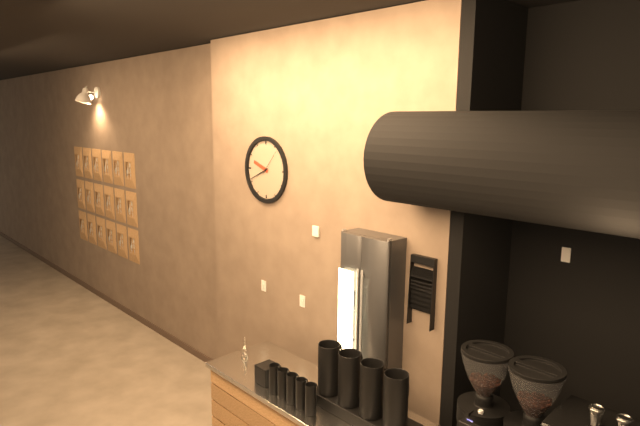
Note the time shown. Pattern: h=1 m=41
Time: h=9 m=41
